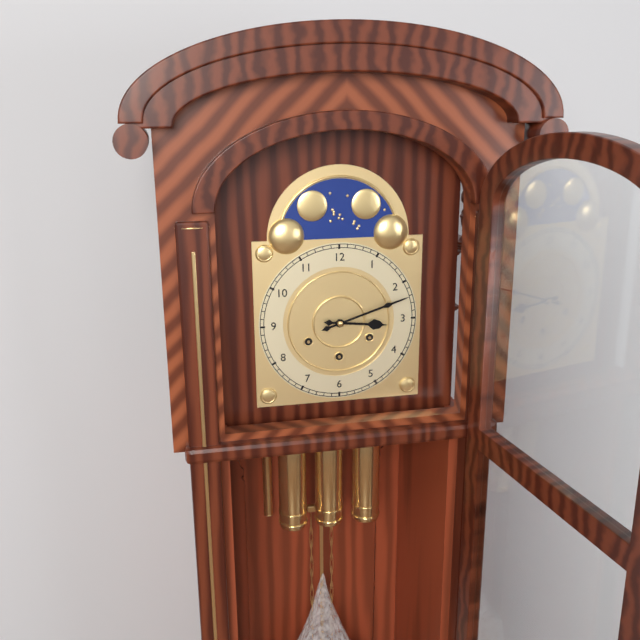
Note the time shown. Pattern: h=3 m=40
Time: h=3 m=12
